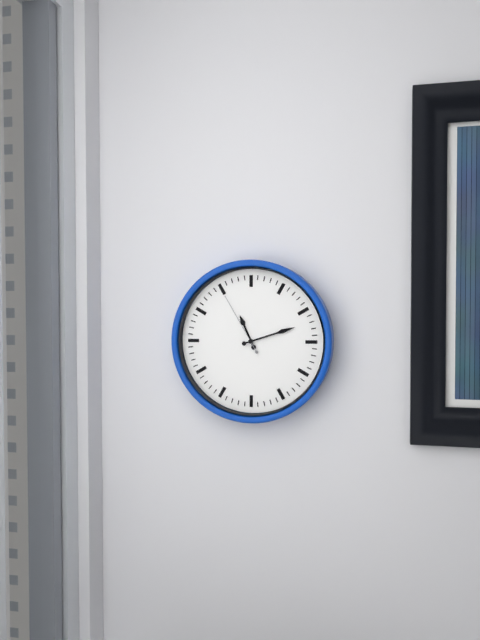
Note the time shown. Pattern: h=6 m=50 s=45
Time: h=11 m=12 s=55
